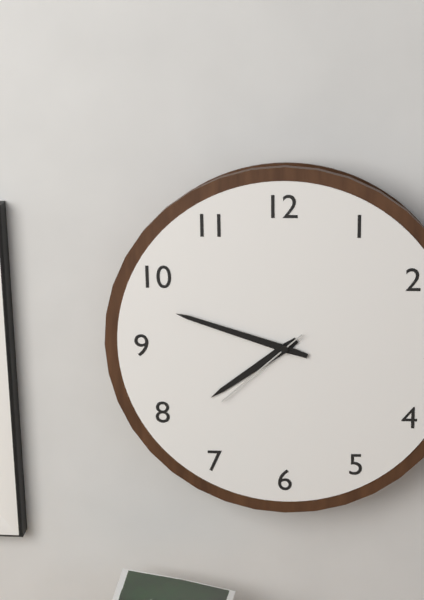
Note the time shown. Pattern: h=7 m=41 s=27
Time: h=7 m=48 s=38
